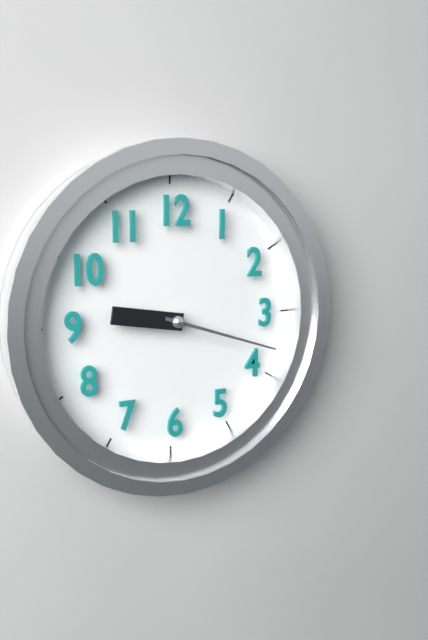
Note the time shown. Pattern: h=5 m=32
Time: h=9 m=18
